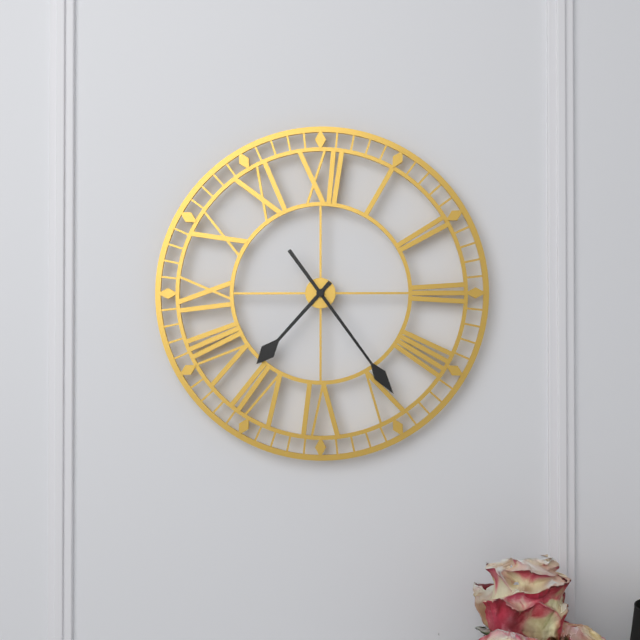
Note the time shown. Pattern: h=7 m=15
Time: h=7 m=24
